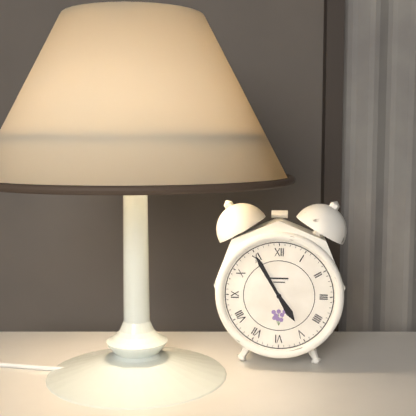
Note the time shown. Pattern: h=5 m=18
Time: h=4 m=55
